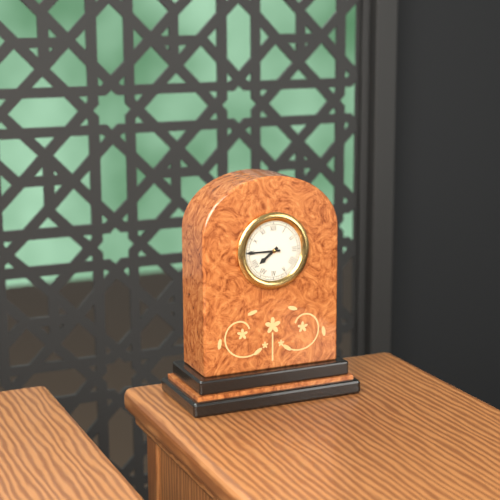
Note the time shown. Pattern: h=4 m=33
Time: h=7 m=45
